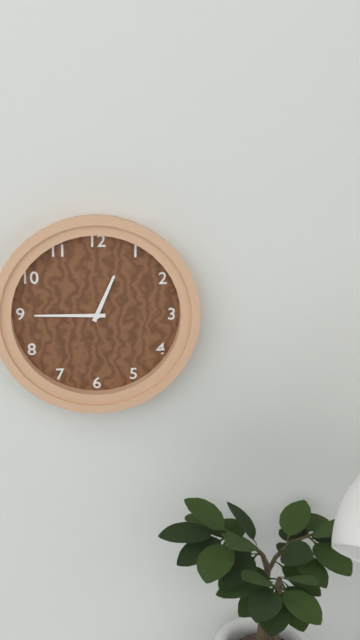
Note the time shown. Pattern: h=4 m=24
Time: h=12 m=45
